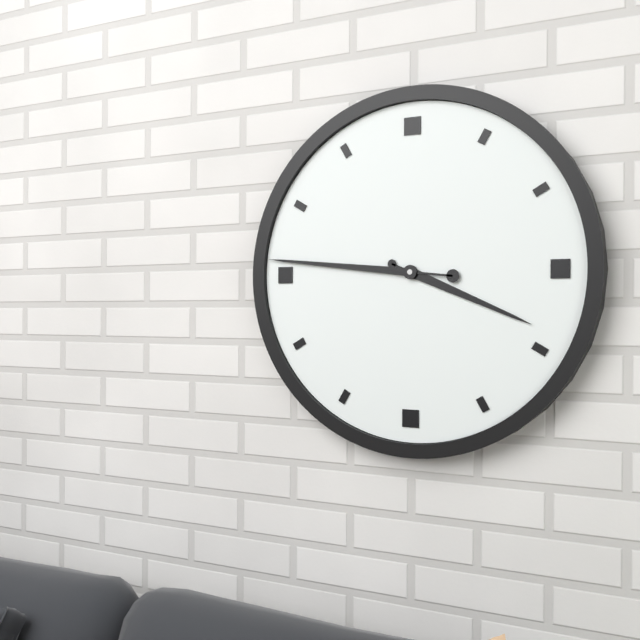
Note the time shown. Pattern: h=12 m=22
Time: h=3 m=46
